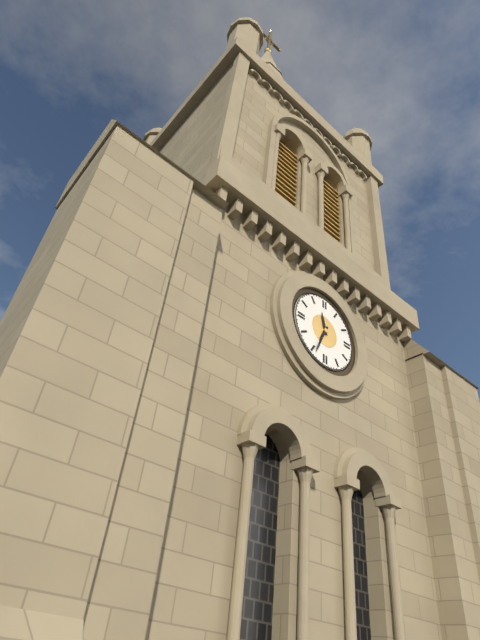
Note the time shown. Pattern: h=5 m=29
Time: h=11 m=34
